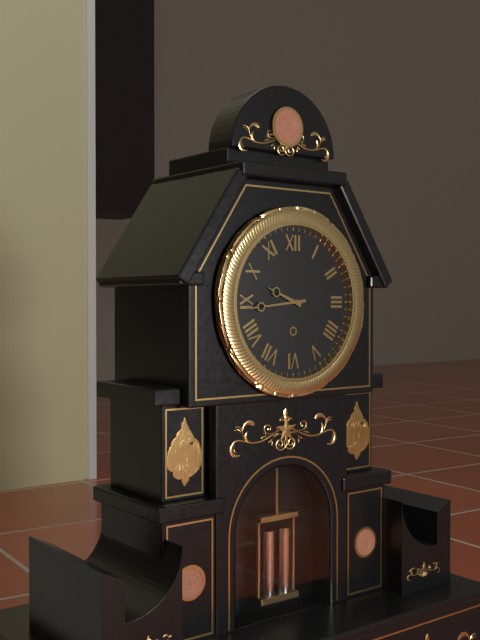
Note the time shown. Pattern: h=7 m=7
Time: h=9 m=44
